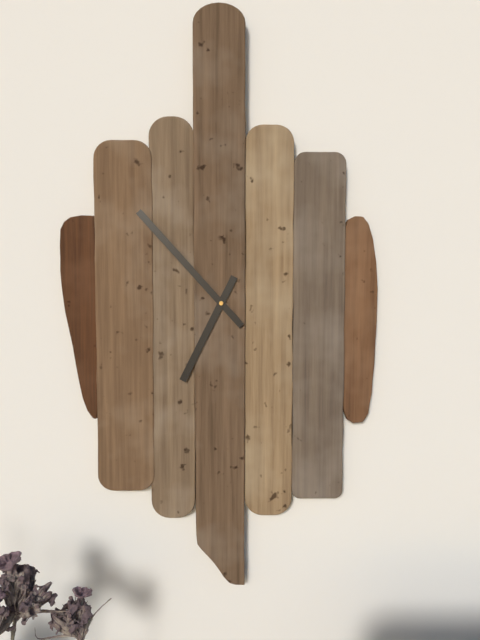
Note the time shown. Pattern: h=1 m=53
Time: h=6 m=53
